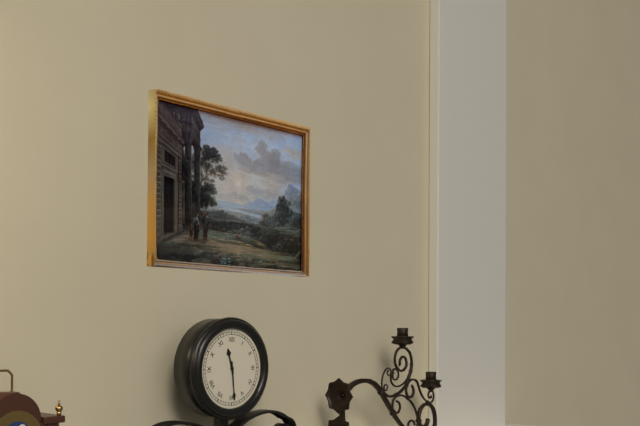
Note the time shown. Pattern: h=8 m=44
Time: h=11 m=29
